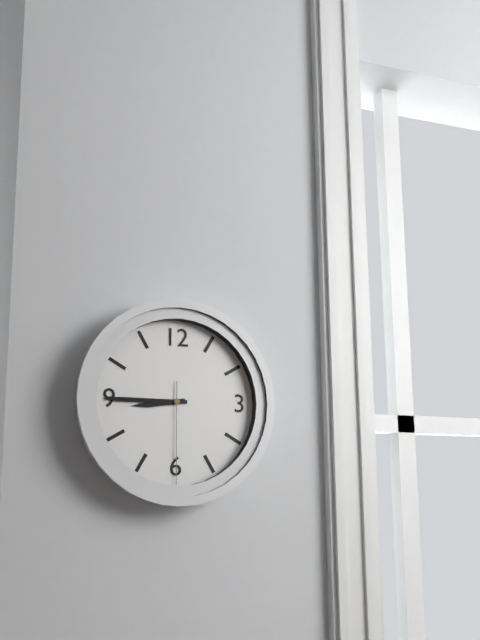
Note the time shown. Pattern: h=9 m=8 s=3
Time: h=8 m=45 s=30
